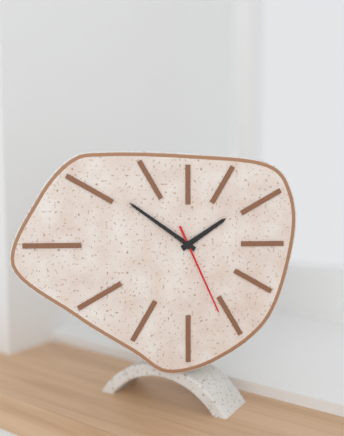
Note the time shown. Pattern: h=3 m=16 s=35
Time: h=1 m=51 s=26
